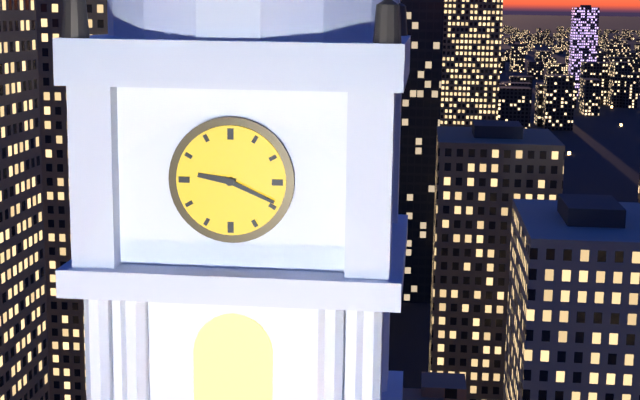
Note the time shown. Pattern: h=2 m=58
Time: h=9 m=19
